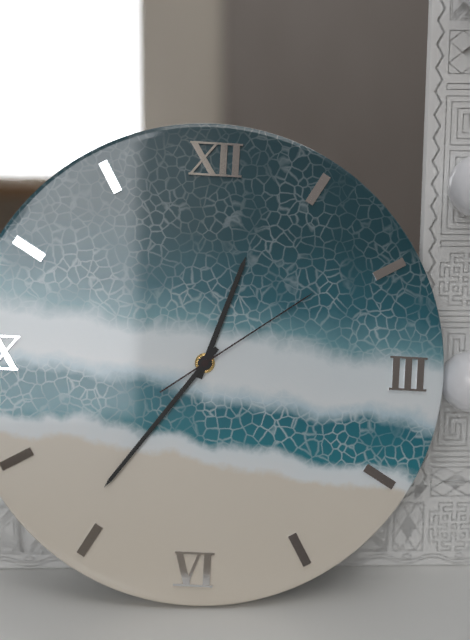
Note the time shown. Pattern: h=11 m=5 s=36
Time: h=12 m=36 s=9
